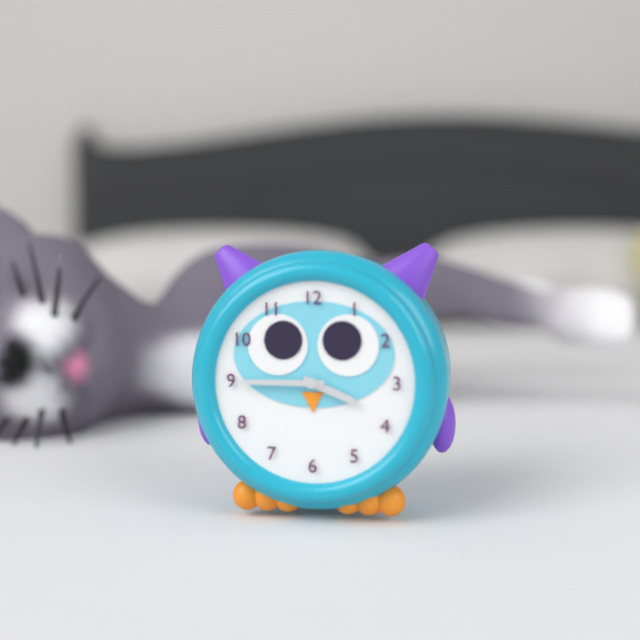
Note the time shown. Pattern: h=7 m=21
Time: h=3 m=45
